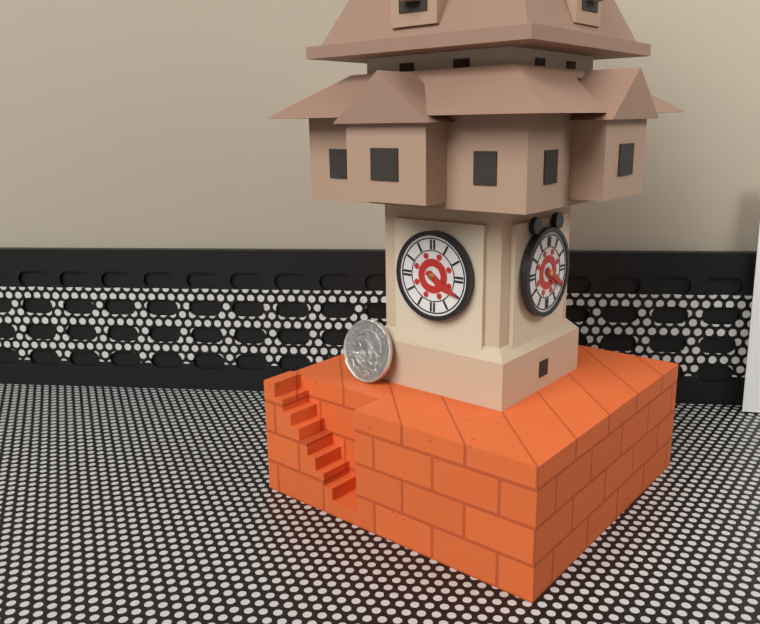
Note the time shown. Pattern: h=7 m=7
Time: h=4 m=20
